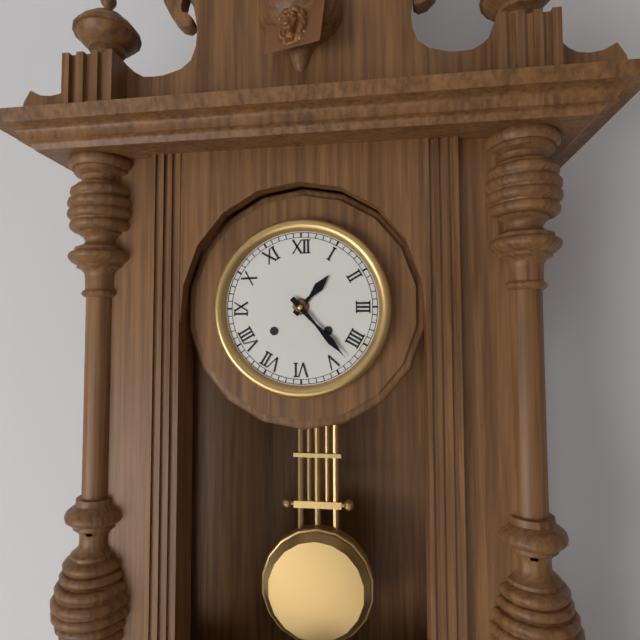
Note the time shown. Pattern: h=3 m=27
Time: h=1 m=23
